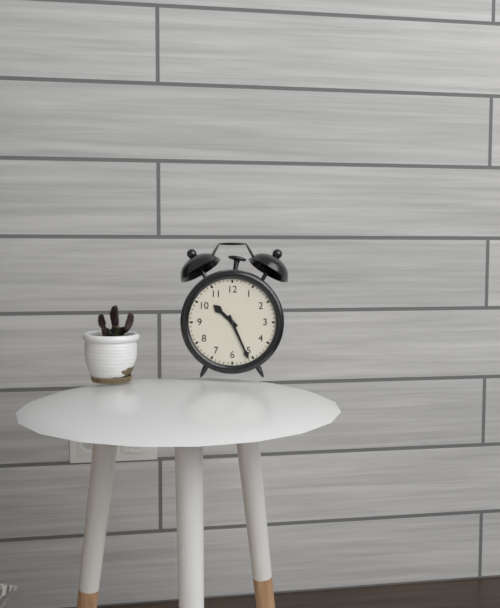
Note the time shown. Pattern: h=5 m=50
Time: h=10 m=26
